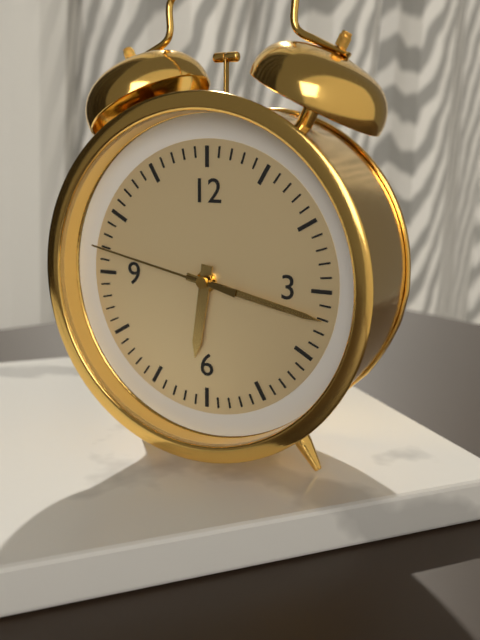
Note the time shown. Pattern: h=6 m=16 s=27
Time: h=6 m=17 s=47
